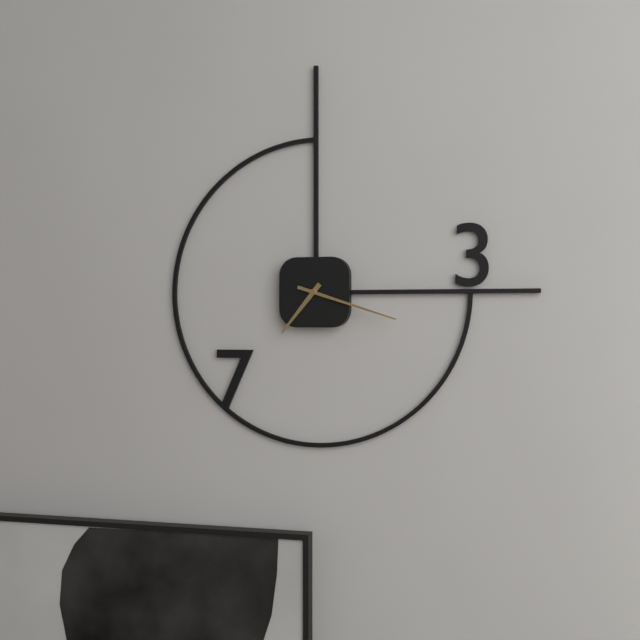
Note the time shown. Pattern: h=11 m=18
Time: h=7 m=18
